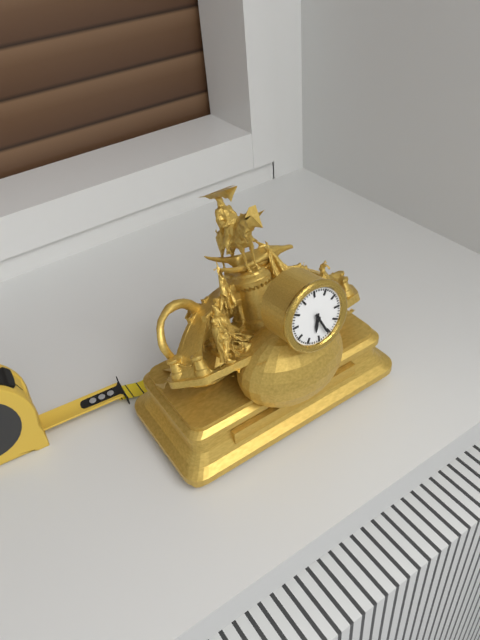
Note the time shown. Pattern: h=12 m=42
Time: h=6 m=26
